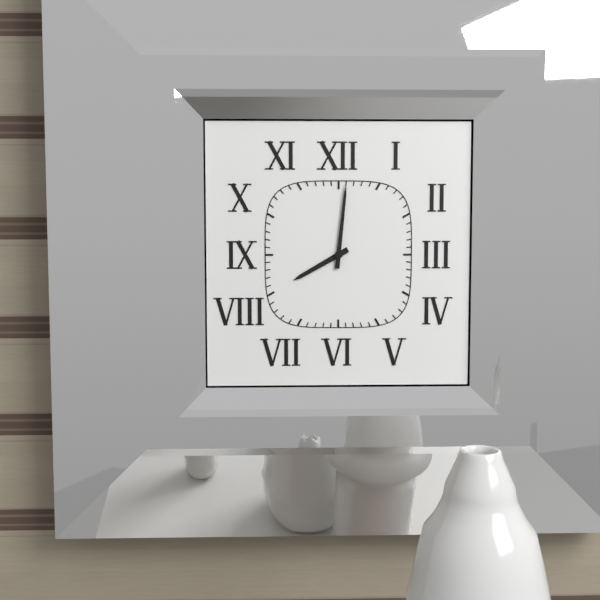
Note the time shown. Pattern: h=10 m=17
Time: h=8 m=1
